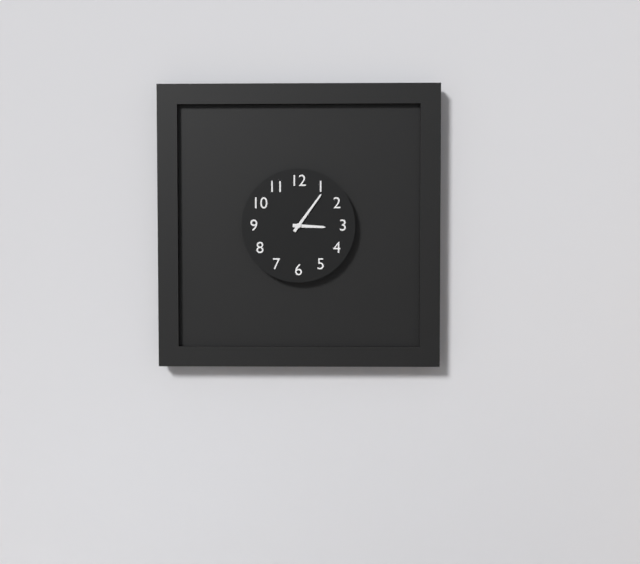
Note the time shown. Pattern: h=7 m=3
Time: h=3 m=6
